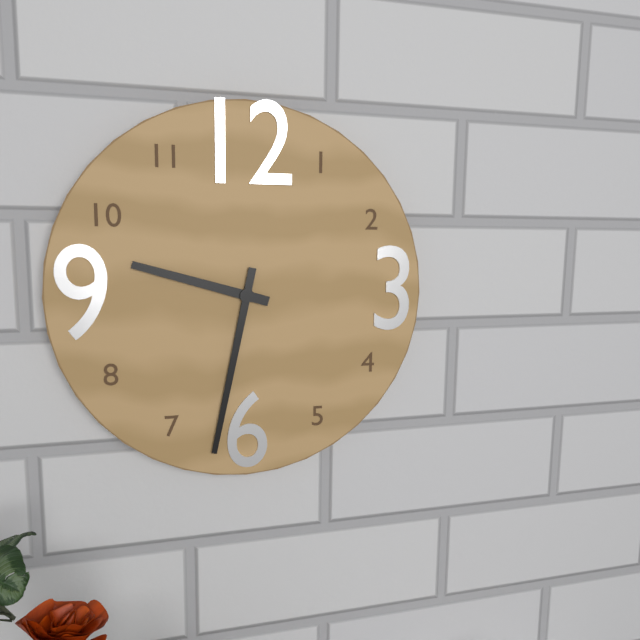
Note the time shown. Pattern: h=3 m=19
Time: h=9 m=32
